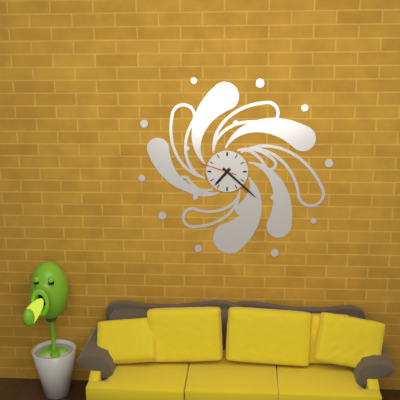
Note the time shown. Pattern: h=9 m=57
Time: h=7 m=22
